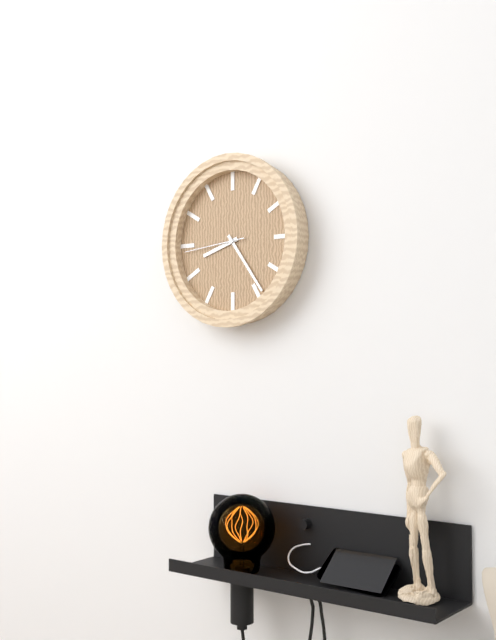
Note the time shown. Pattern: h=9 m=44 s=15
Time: h=8 m=24 s=44
